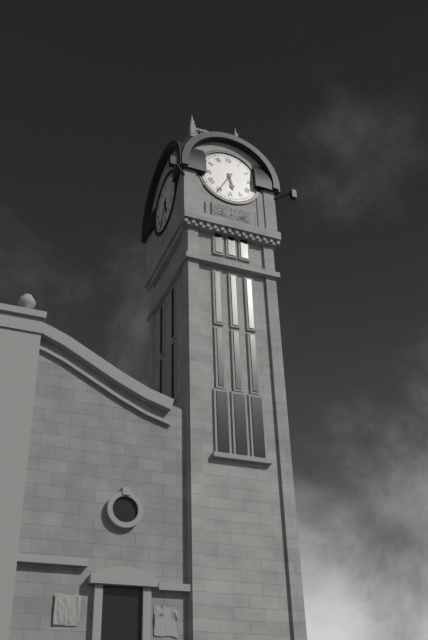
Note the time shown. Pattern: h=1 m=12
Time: h=5 m=35
